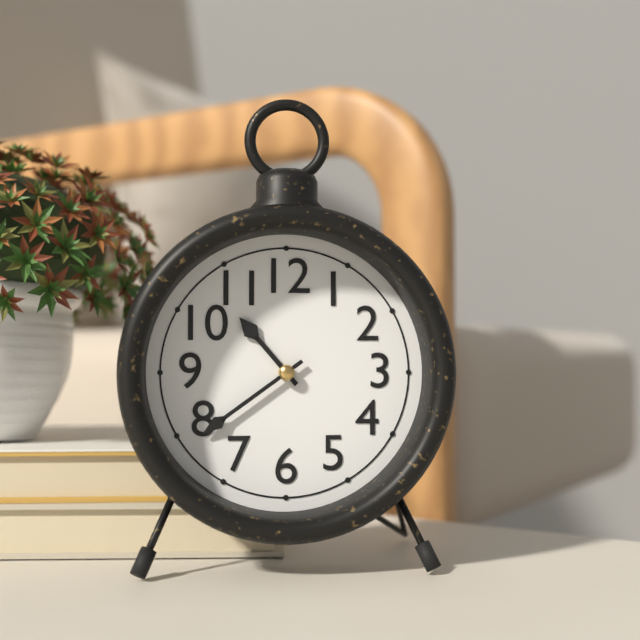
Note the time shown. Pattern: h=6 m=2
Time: h=10 m=39
